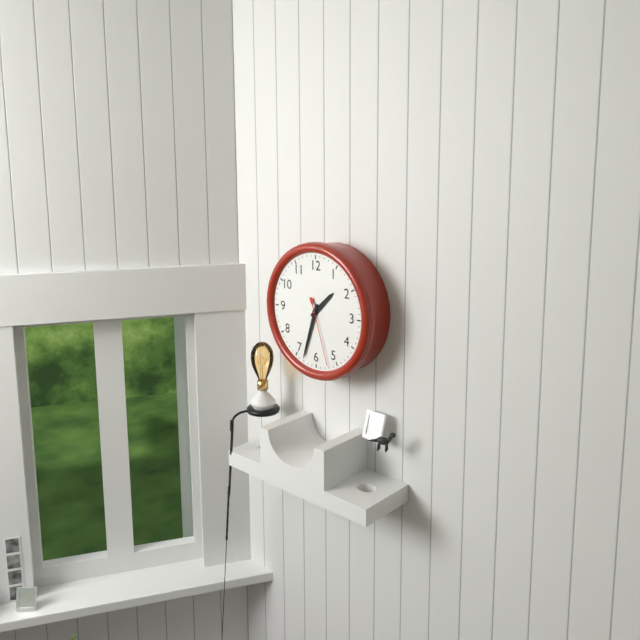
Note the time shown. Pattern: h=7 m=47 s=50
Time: h=1 m=33 s=27
